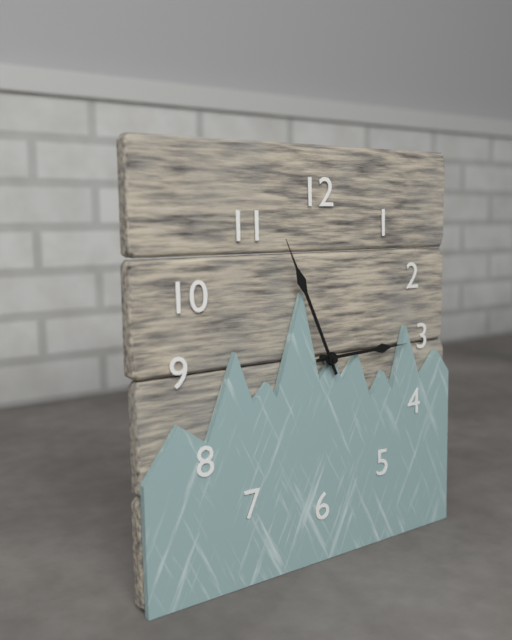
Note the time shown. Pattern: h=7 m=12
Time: h=2 m=56
